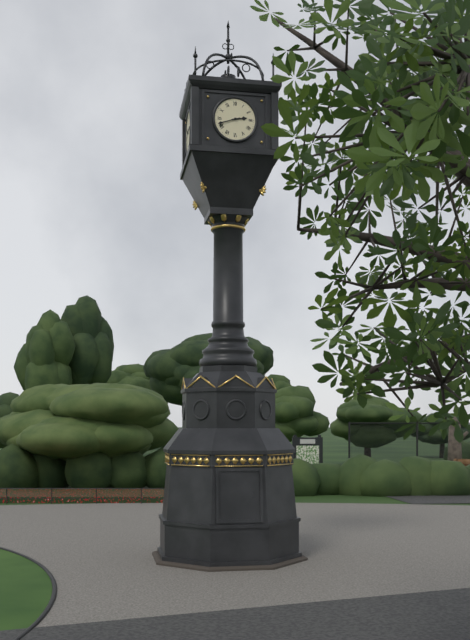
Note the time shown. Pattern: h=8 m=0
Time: h=2 m=42
